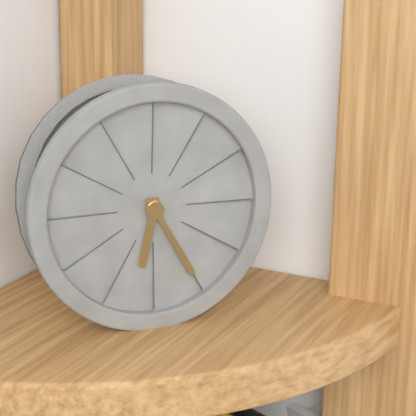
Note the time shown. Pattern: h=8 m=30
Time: h=6 m=25
